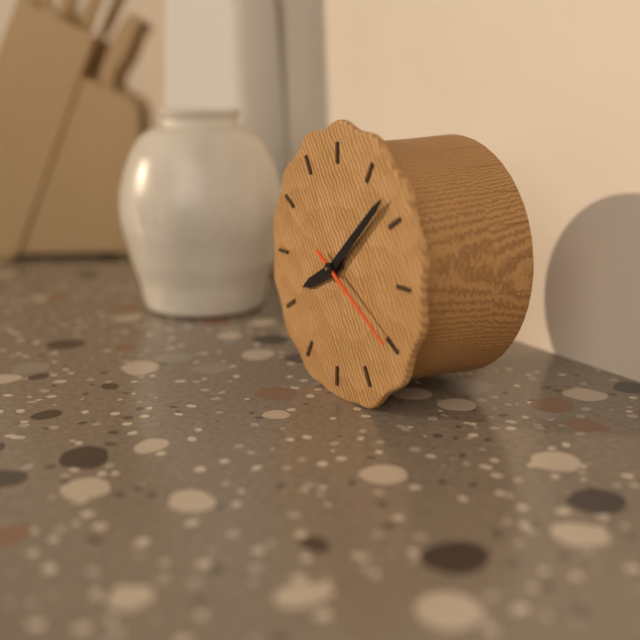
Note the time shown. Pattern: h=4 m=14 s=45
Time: h=8 m=8 s=20
